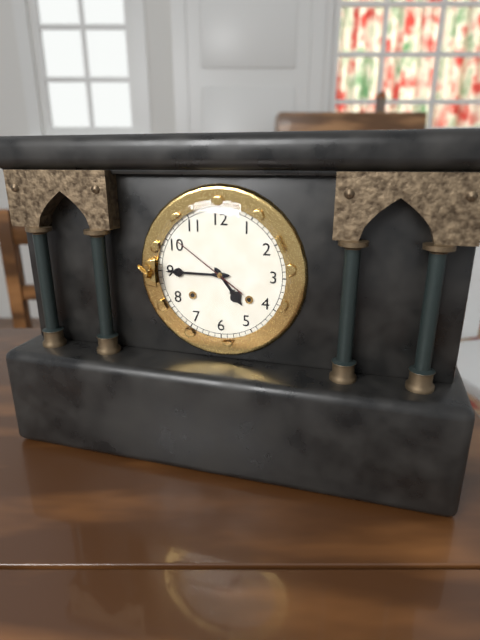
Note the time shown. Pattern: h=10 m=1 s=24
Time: h=4 m=45 s=51
